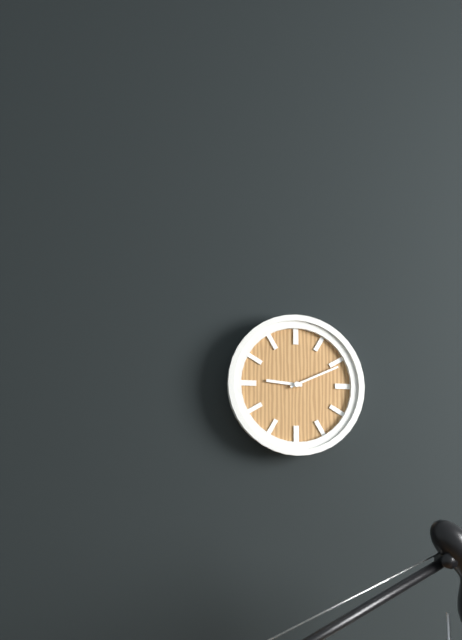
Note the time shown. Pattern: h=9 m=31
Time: h=9 m=11
